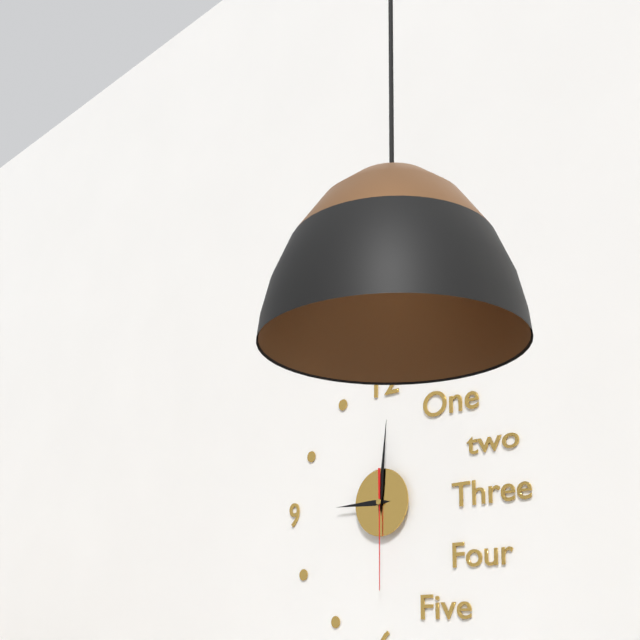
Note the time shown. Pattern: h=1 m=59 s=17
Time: h=9 m=1 s=30
